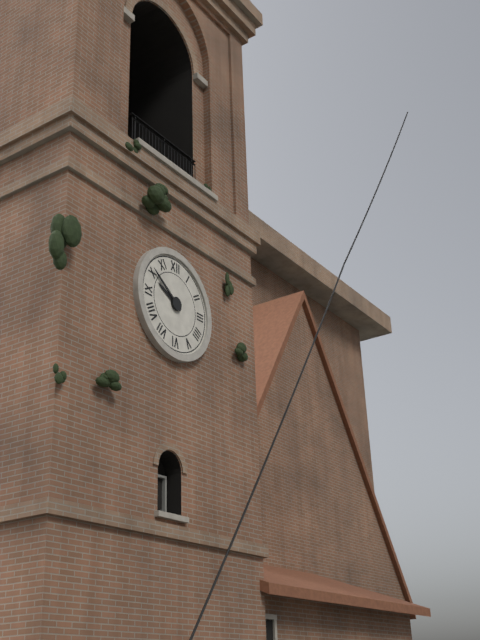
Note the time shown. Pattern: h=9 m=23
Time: h=9 m=51
